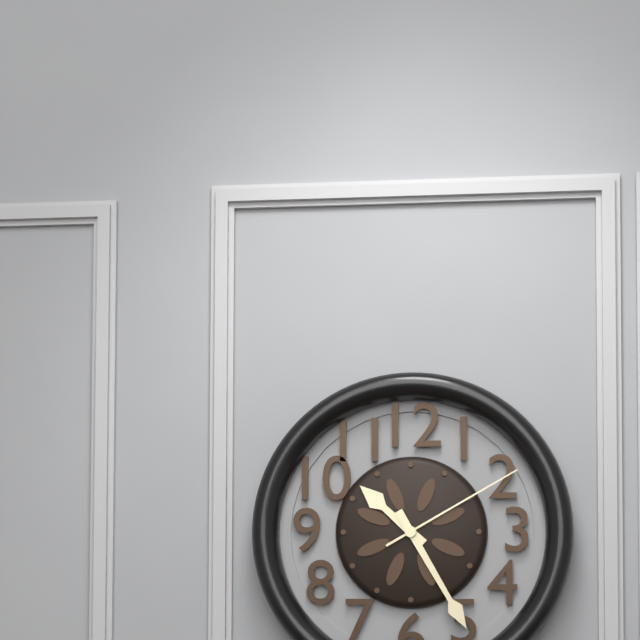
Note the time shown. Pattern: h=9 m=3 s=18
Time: h=10 m=25 s=10
